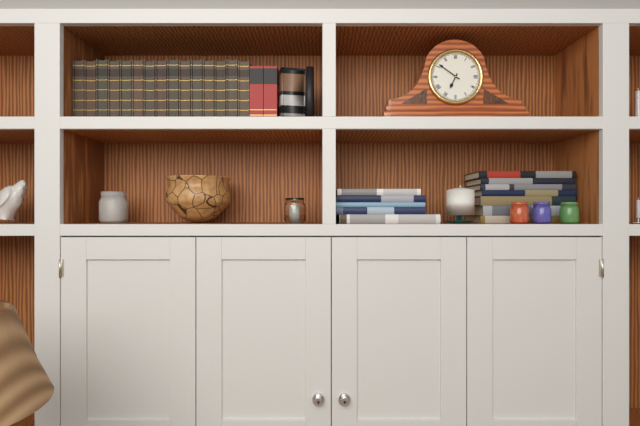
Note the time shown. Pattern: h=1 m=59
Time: h=6 m=51
